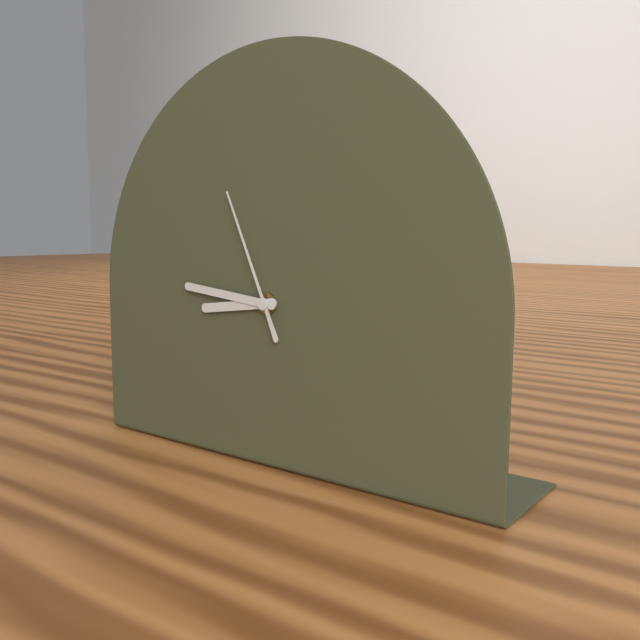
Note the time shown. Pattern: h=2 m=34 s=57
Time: h=8 m=46 s=56
